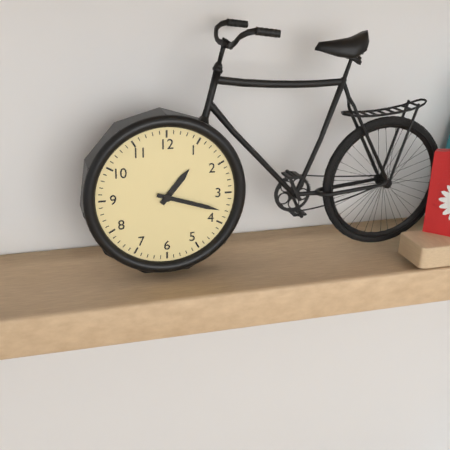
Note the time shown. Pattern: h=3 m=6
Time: h=1 m=18
